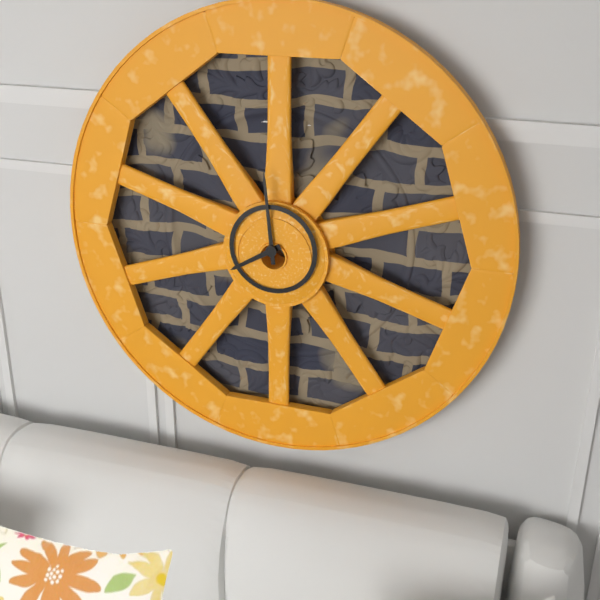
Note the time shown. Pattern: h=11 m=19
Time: h=7 m=59
